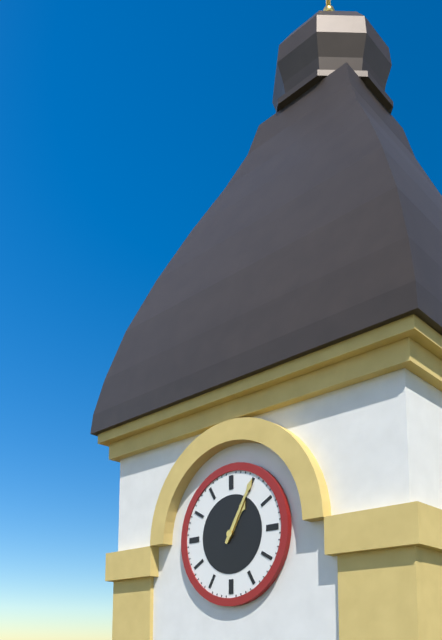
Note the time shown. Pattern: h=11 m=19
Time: h=1 m=5
